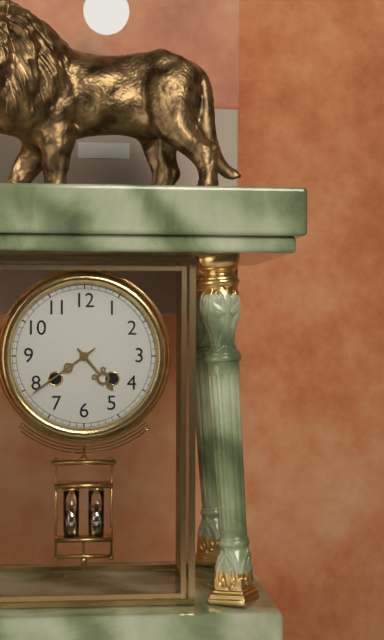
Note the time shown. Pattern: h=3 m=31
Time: h=4 m=39
